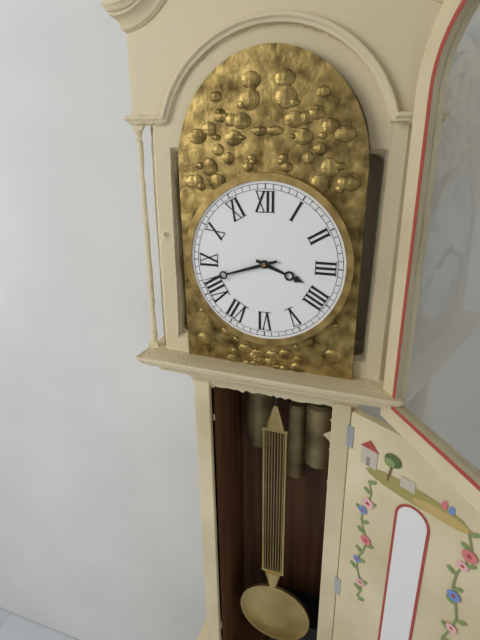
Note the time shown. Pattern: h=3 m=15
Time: h=3 m=42
